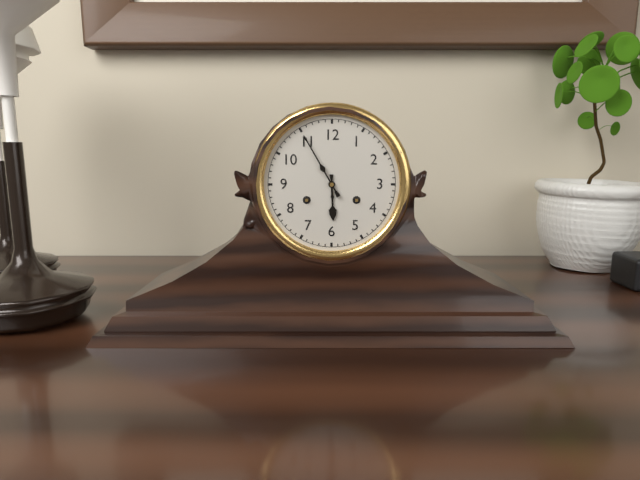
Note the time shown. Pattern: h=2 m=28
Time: h=5 m=55
